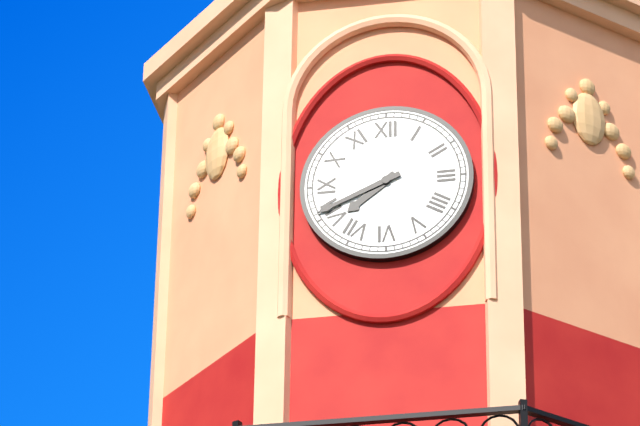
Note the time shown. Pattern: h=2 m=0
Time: h=7 m=41
